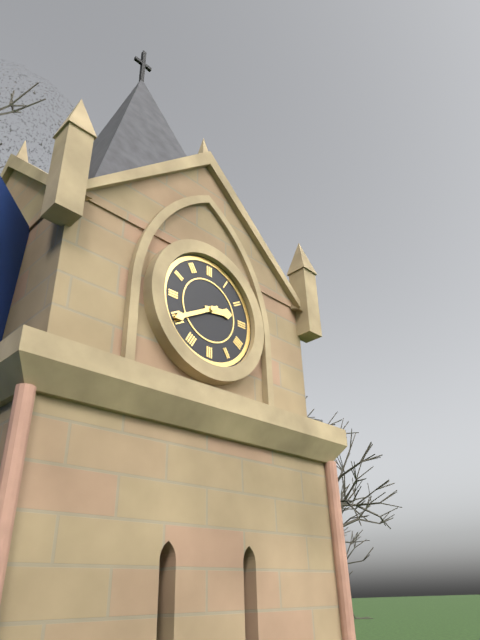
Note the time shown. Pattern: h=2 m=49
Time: h=2 m=40
